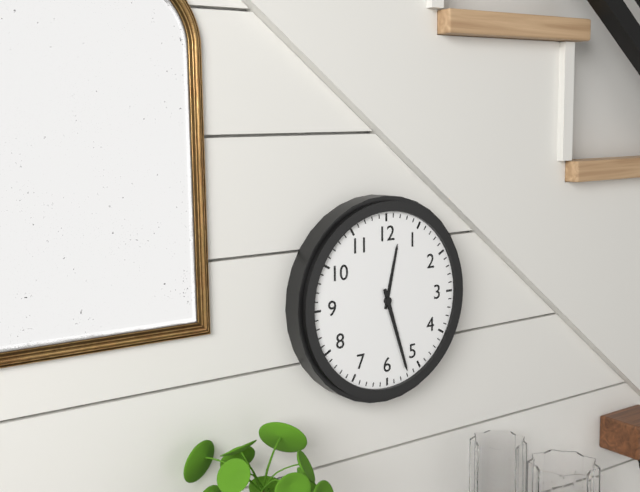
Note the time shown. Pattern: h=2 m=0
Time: h=12 m=27
